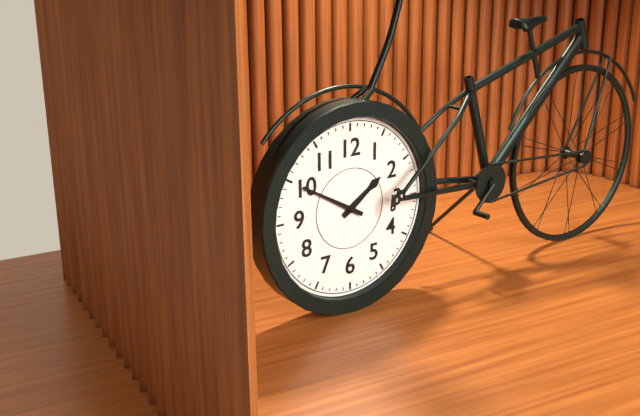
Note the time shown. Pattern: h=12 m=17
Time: h=1 m=50
